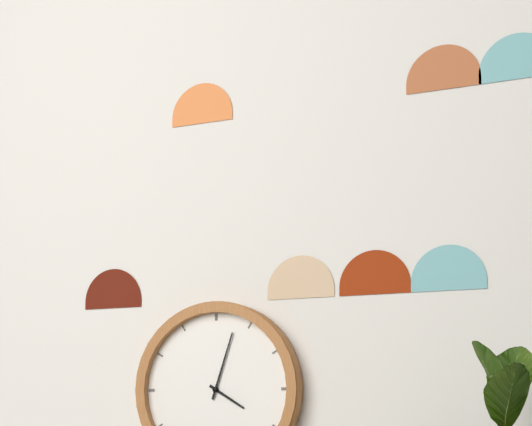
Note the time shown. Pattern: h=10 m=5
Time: h=4 m=3
